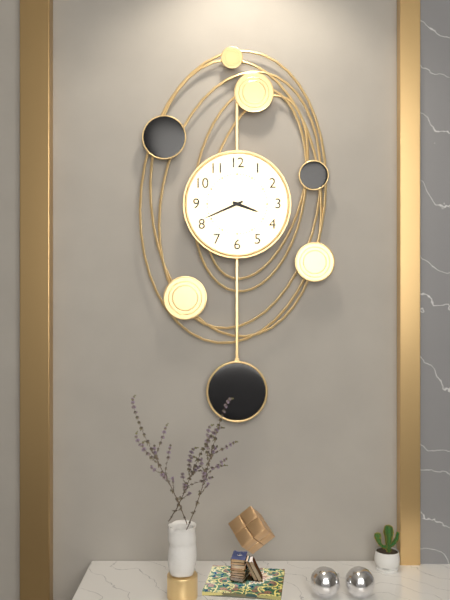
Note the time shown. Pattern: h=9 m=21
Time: h=3 m=41
